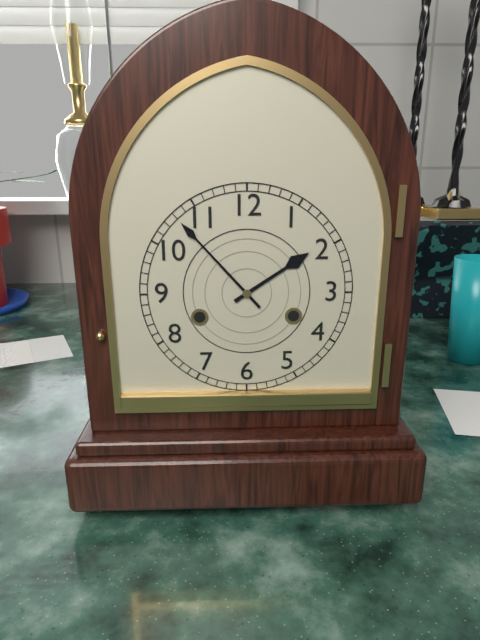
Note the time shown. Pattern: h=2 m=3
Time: h=1 m=53
